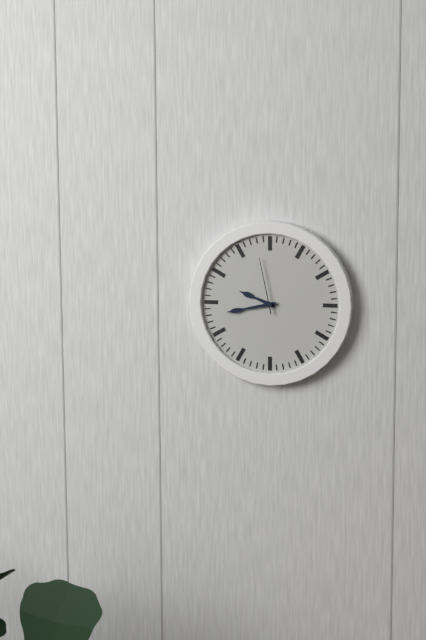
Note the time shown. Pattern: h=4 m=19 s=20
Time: h=9 m=43 s=58
